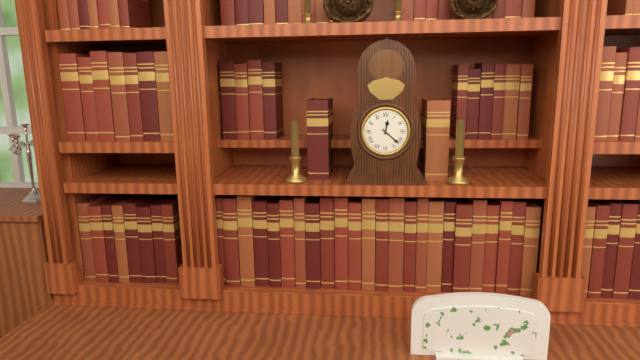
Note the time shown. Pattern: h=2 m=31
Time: h=12 m=22
